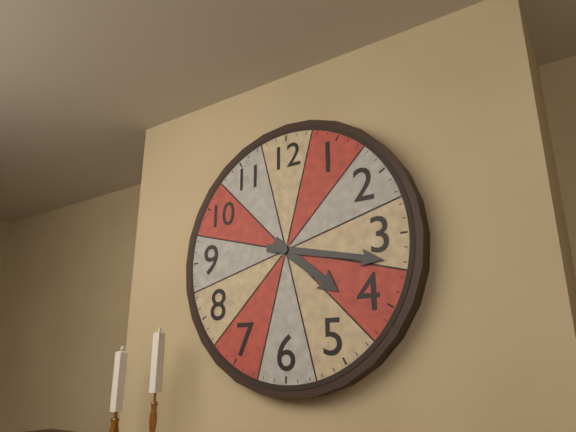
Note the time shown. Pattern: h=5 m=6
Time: h=4 m=17
